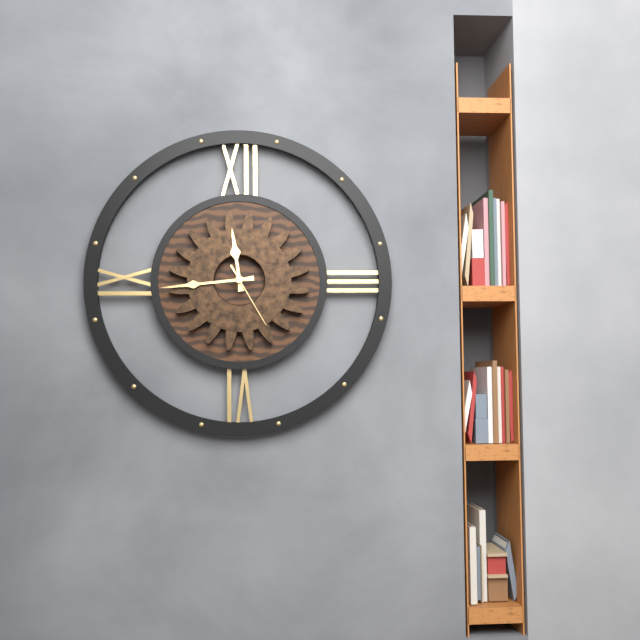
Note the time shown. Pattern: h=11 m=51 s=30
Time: h=11 m=44 s=25
